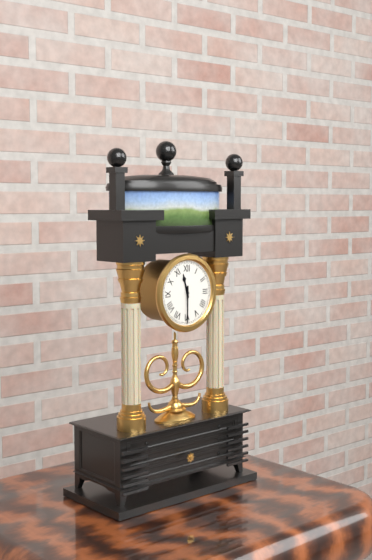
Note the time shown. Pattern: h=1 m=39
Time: h=11 m=30
